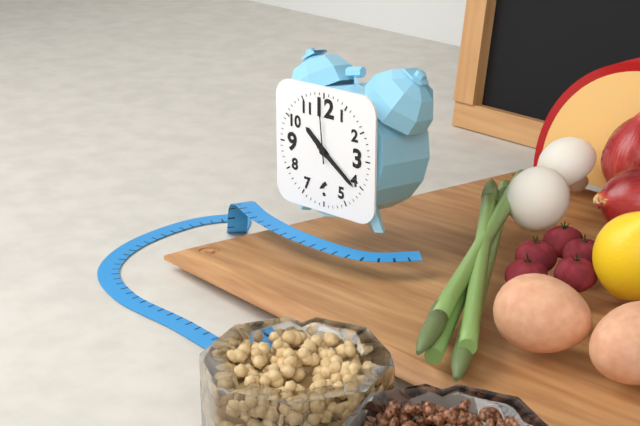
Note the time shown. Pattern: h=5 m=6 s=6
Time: h=10 m=21 s=59
